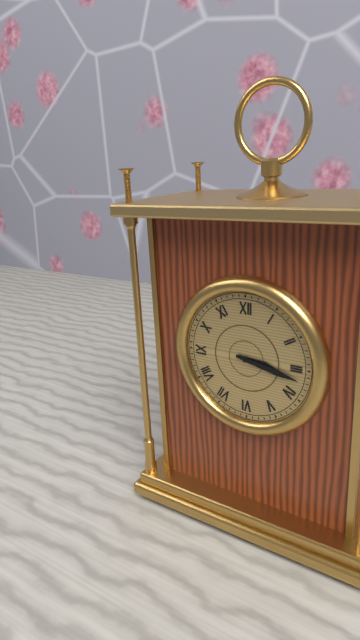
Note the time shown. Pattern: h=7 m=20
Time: h=3 m=17
